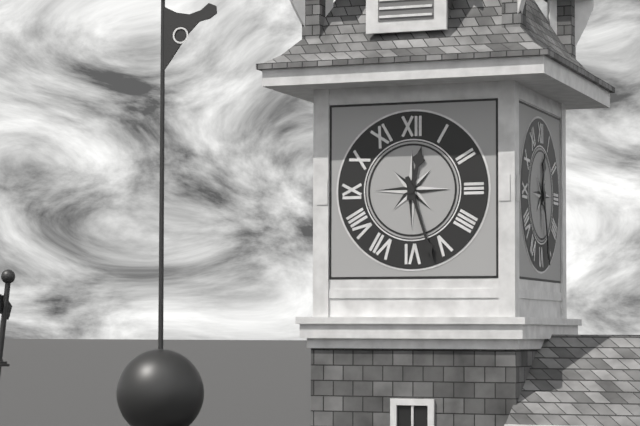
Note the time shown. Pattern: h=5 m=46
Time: h=12 m=27
